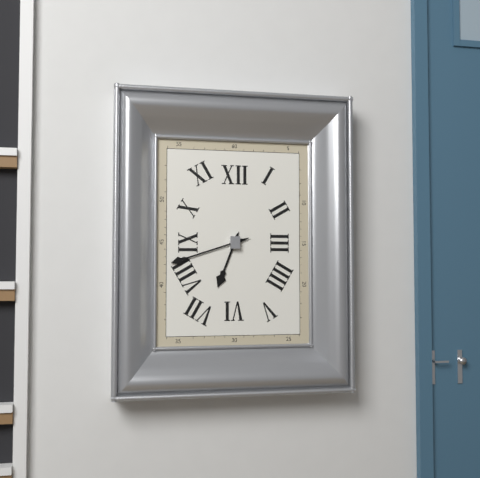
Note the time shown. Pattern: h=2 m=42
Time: h=6 m=42
